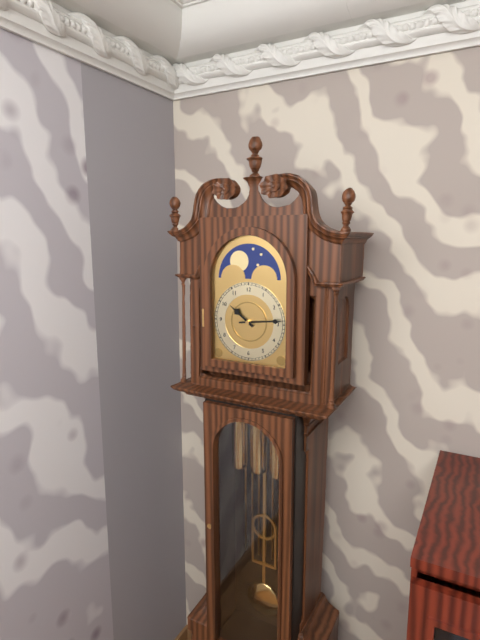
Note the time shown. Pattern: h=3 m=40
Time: h=10 m=14
